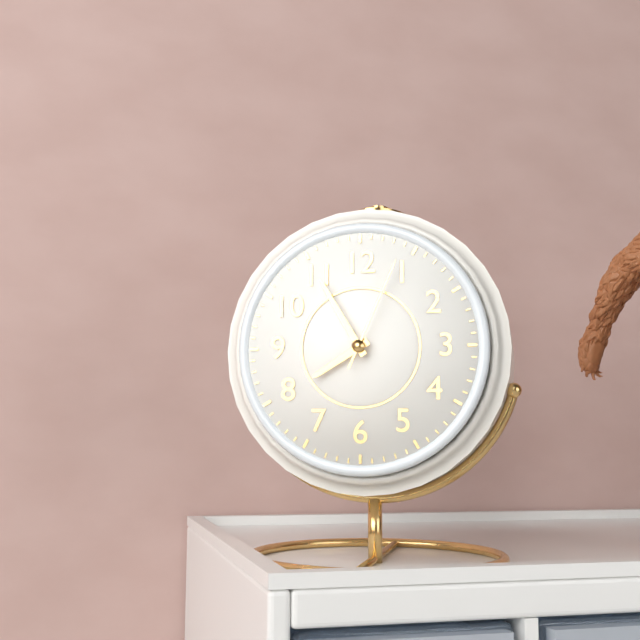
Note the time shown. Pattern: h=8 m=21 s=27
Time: h=7 m=55 s=4
